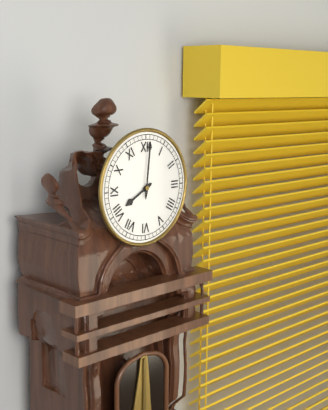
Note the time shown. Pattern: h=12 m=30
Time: h=8 m=1
